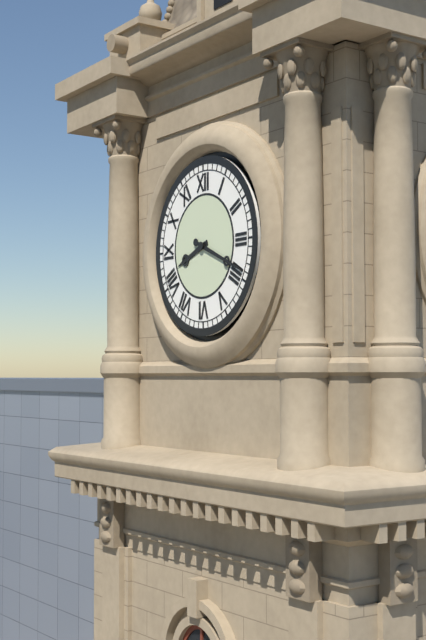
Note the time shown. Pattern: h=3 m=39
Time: h=8 m=19
